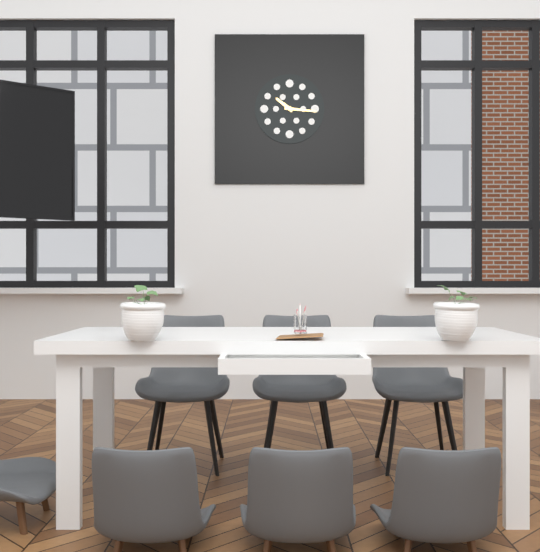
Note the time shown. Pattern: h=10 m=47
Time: h=10 m=16
